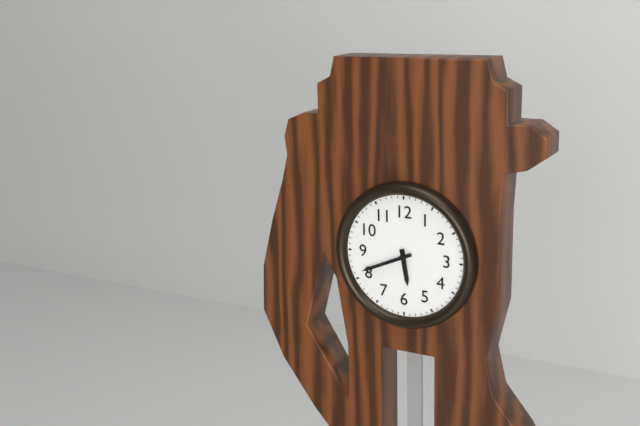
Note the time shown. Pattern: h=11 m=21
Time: h=5 m=41
